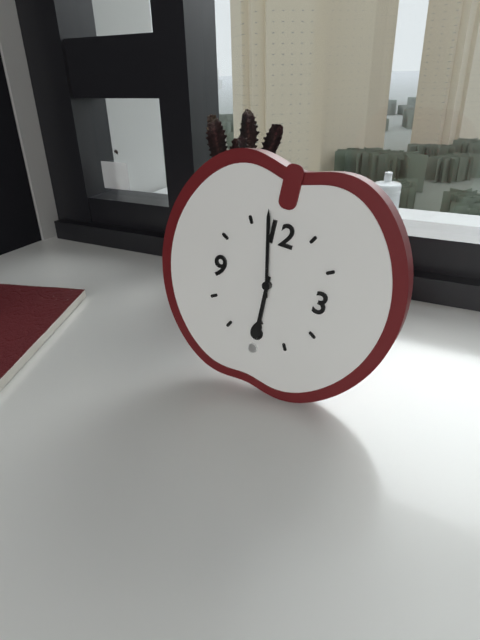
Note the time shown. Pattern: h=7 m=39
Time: h=5 m=58
